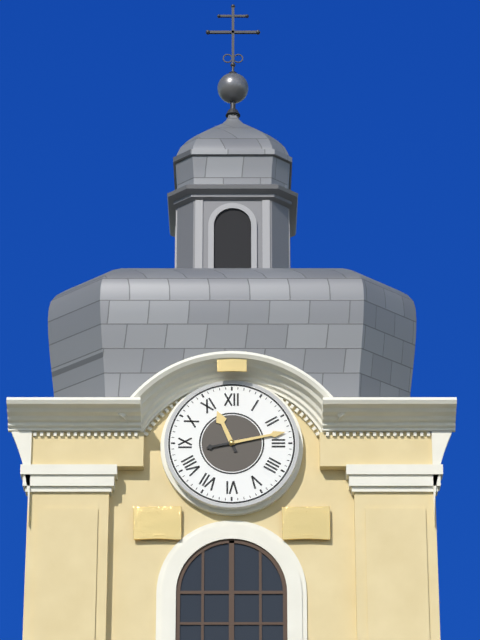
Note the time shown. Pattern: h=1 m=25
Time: h=11 m=13
